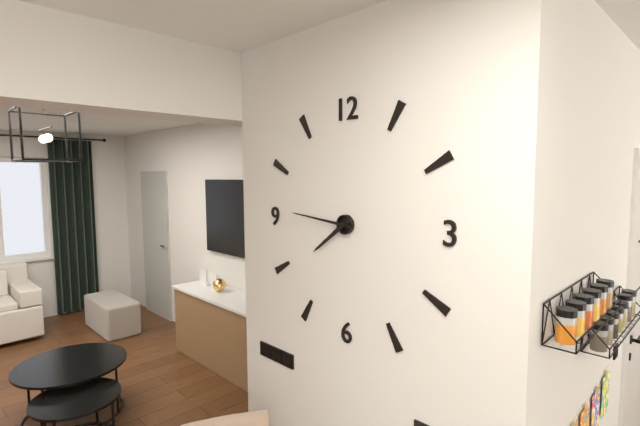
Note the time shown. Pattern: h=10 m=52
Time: h=7 m=46
